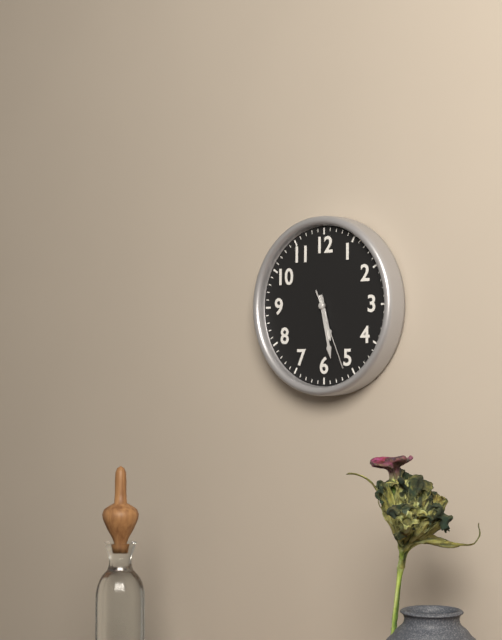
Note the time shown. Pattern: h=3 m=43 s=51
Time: h=5 m=28 s=26
